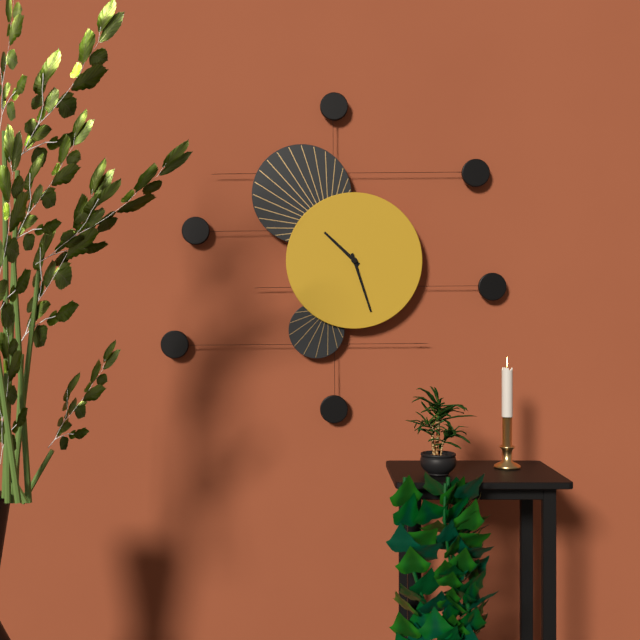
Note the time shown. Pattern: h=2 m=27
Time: h=10 m=27
